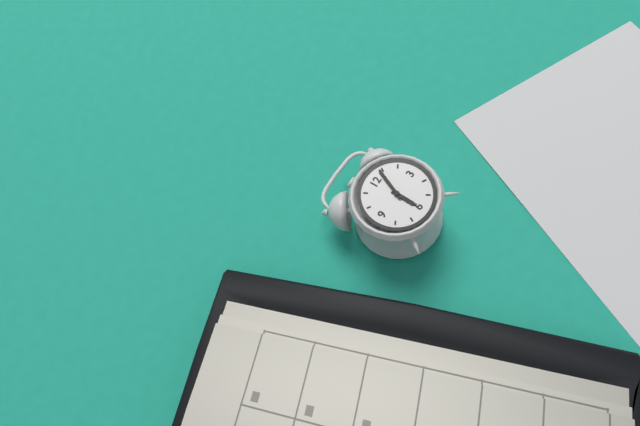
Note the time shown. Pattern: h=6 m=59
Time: h=6 m=4
